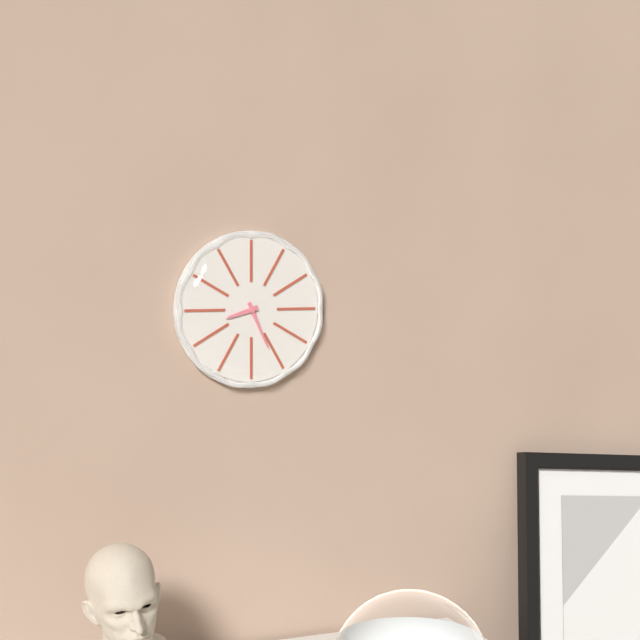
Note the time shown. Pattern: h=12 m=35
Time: h=8 m=26
